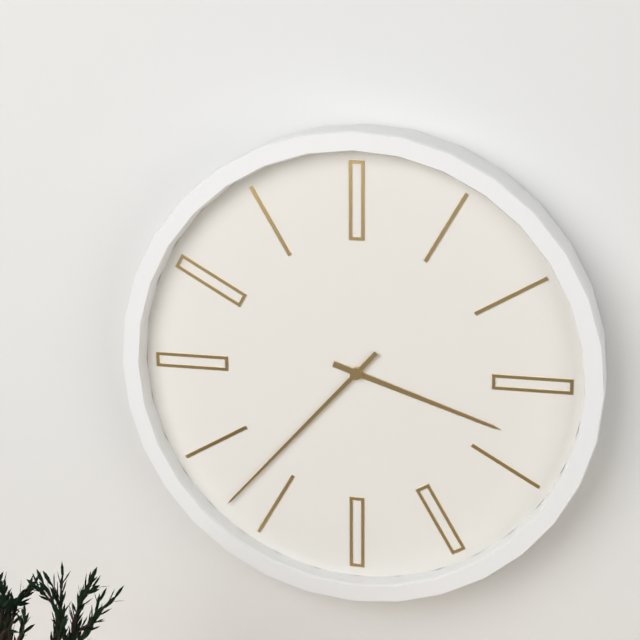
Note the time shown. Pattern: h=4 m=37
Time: h=3 m=37
